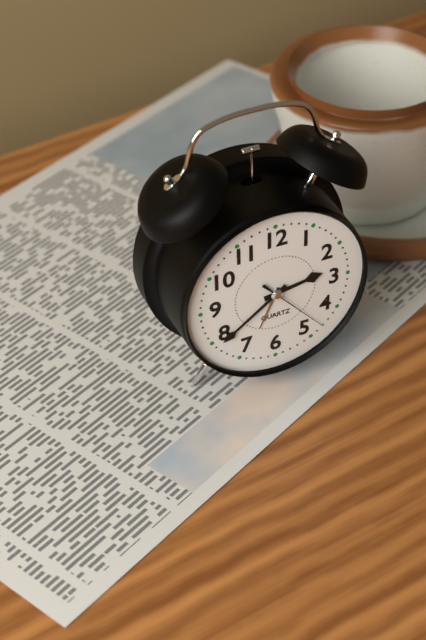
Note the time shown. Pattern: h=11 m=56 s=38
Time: h=2 m=39 s=23
